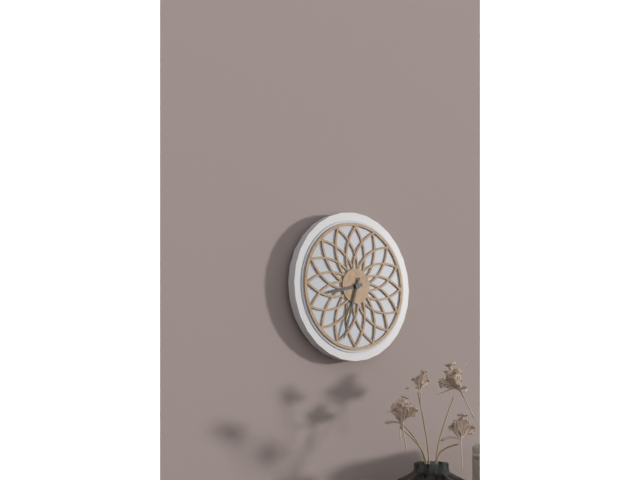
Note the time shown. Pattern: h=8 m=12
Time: h=8 m=33
